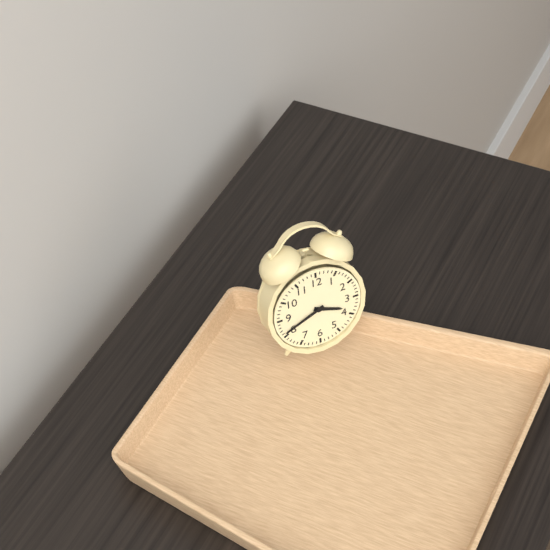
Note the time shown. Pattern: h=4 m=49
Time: h=3 m=41
